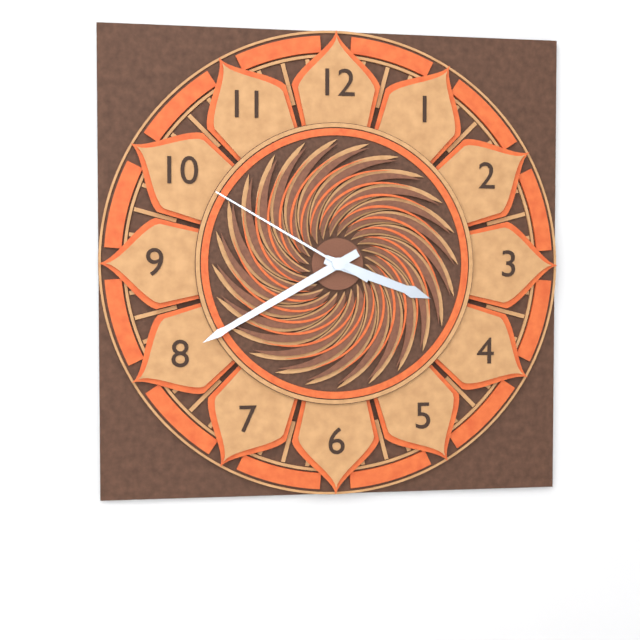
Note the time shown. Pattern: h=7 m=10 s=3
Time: h=3 m=40 s=50
